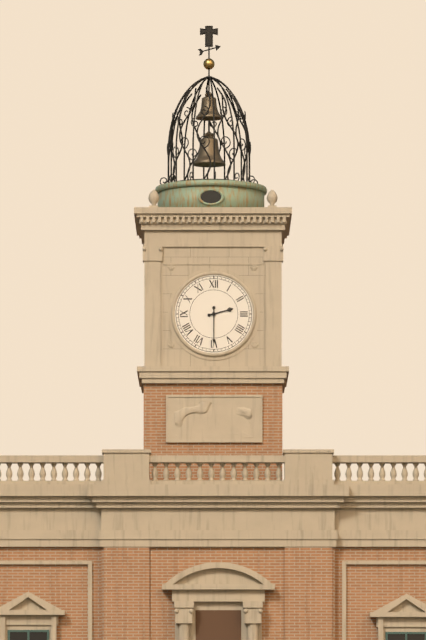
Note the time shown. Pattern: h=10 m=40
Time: h=2 m=30
